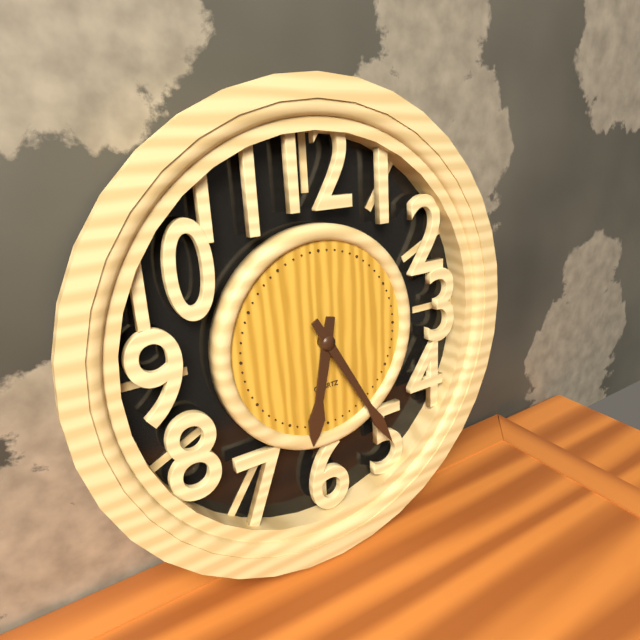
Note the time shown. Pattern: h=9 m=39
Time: h=6 m=25
